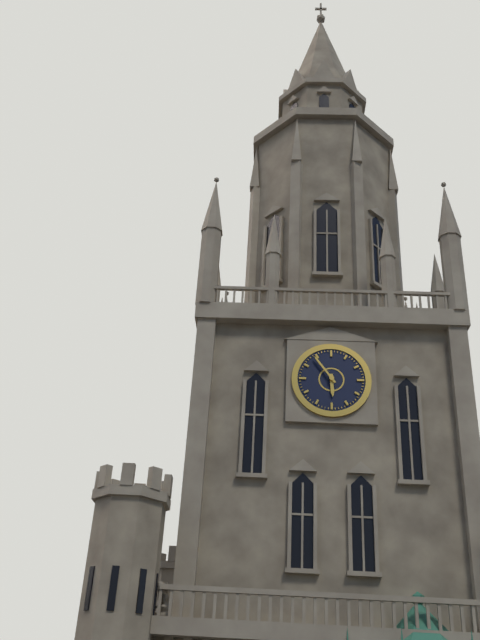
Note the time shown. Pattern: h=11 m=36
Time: h=5 m=54
